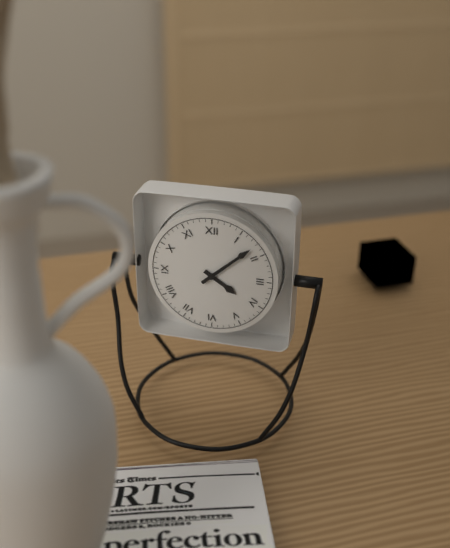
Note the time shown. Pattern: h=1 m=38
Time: h=4 m=8
